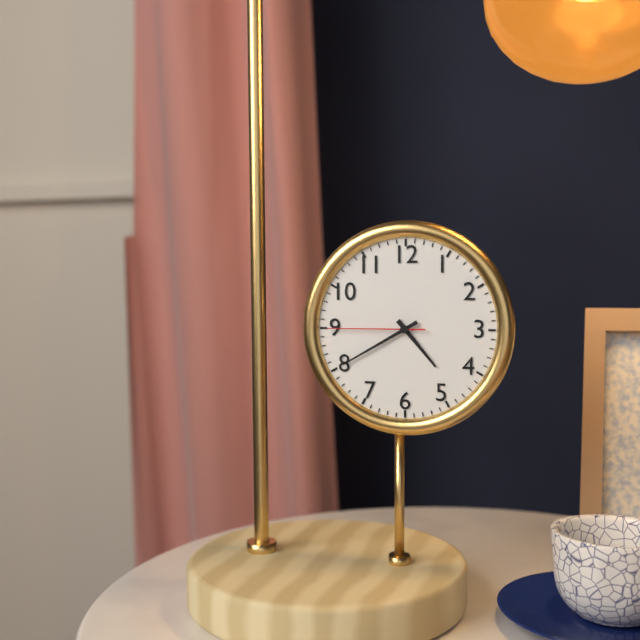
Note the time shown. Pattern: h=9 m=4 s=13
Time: h=4 m=40 s=45
